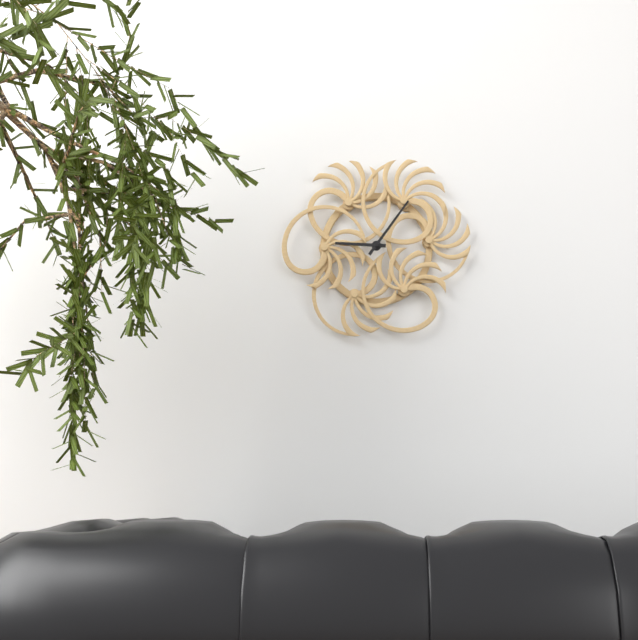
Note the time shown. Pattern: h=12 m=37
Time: h=9 m=6
